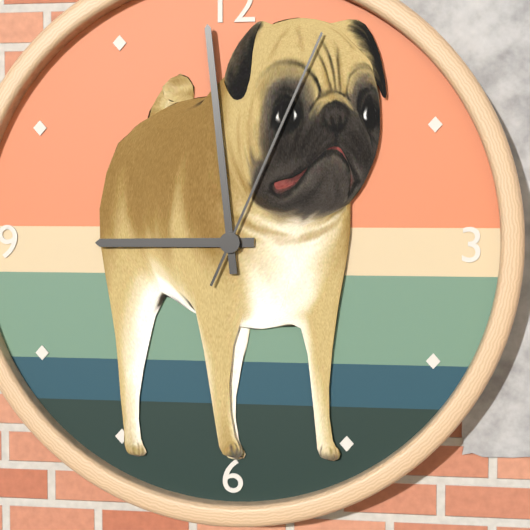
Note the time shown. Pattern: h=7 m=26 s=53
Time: h=8 m=59 s=4
